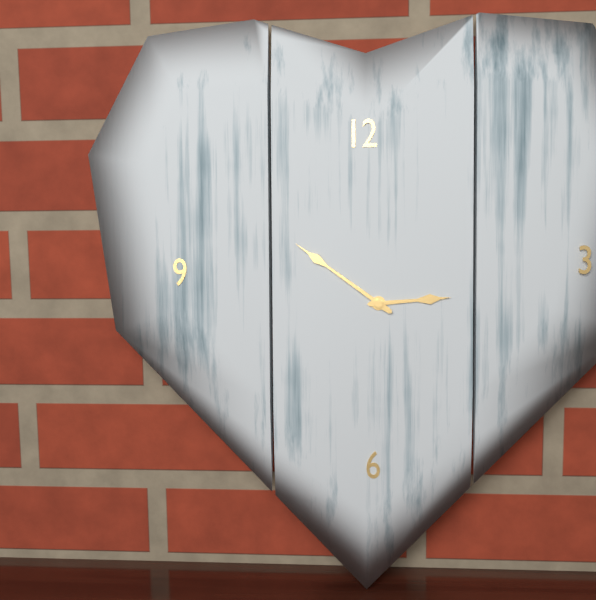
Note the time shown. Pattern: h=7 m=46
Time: h=2 m=51
